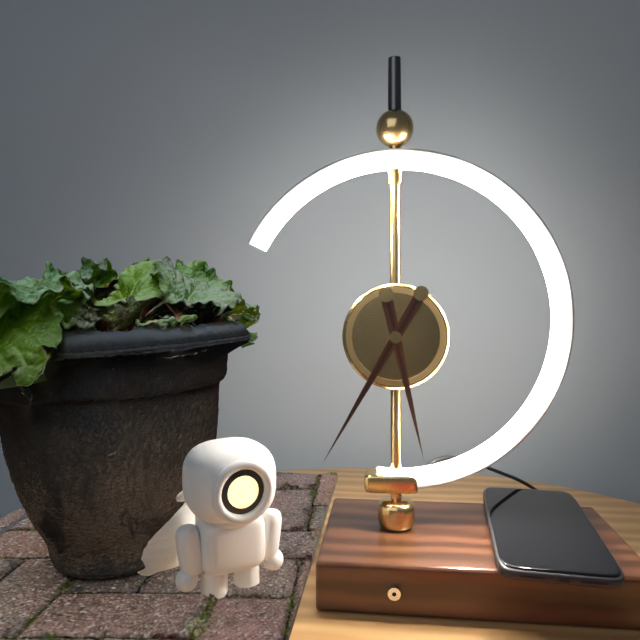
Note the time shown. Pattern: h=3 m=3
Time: h=5 m=35
